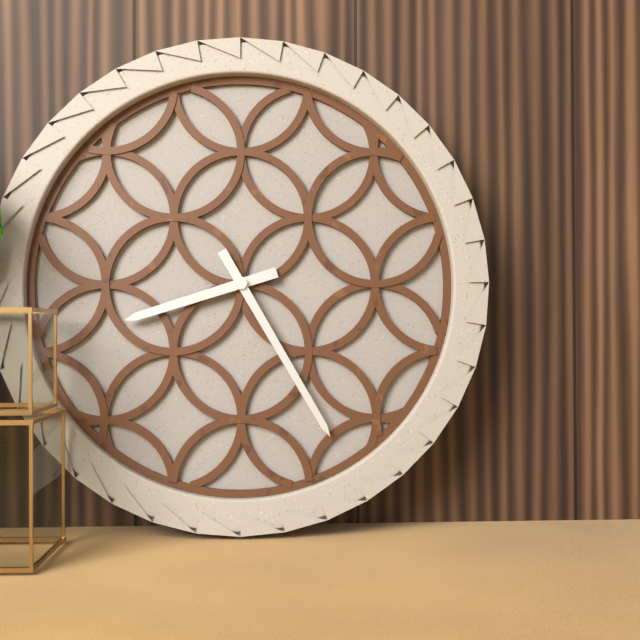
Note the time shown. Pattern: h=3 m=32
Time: h=8 m=25
